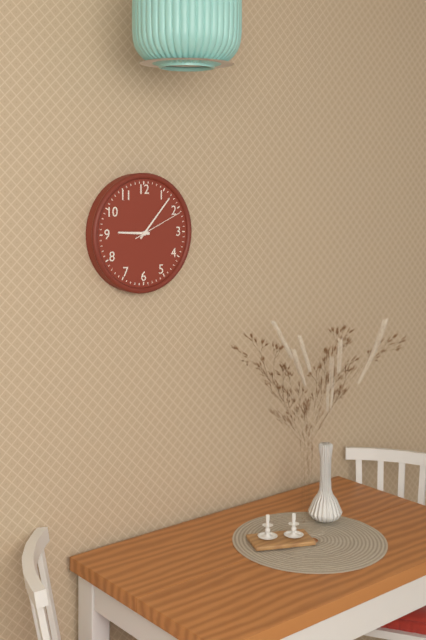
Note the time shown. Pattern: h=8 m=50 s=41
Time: h=9 m=7 s=11
